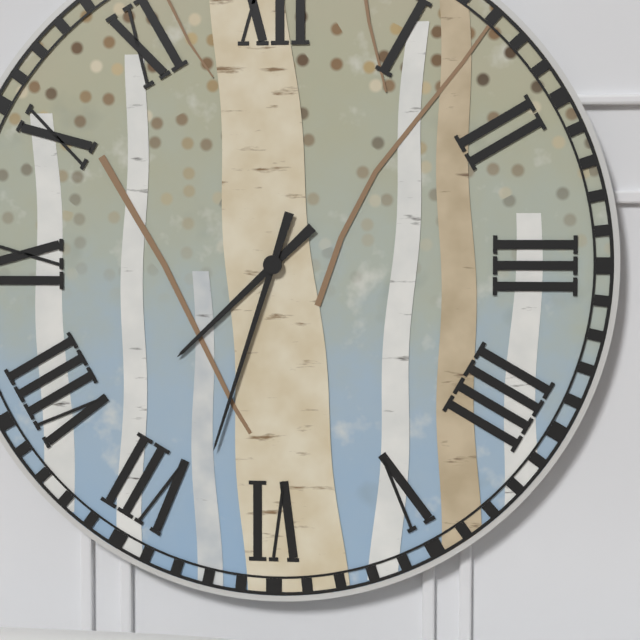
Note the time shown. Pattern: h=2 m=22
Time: h=7 m=33
